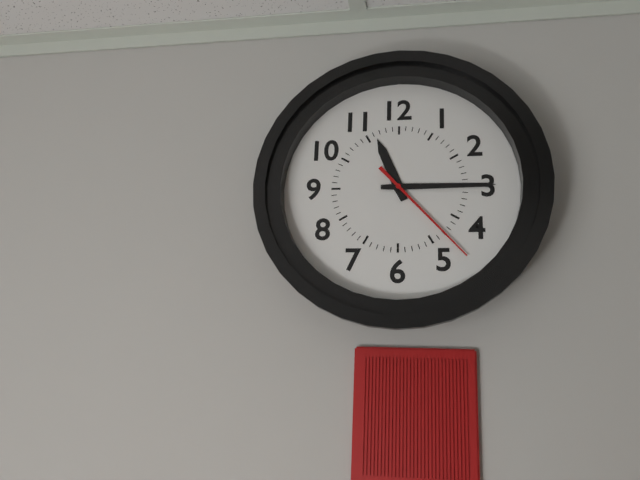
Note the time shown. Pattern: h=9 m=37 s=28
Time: h=11 m=15 s=23
